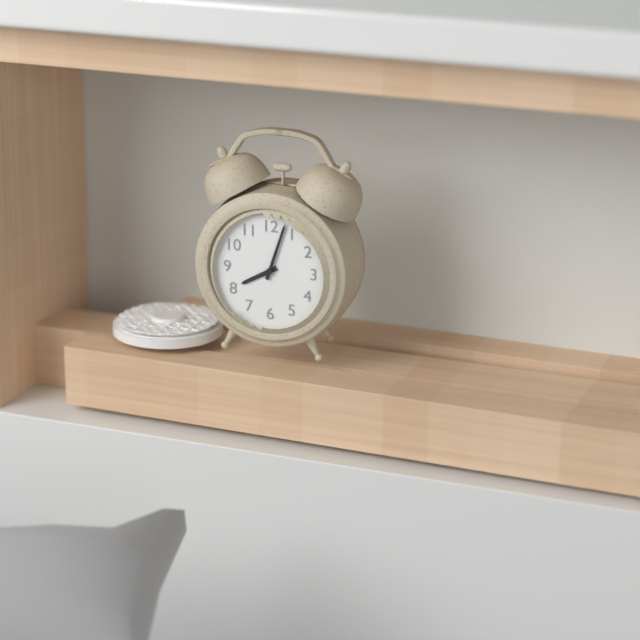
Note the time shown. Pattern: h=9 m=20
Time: h=8 m=3
